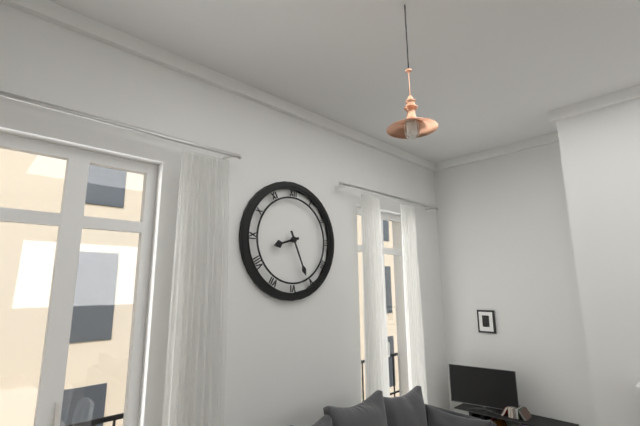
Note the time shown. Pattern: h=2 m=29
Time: h=8 m=26
